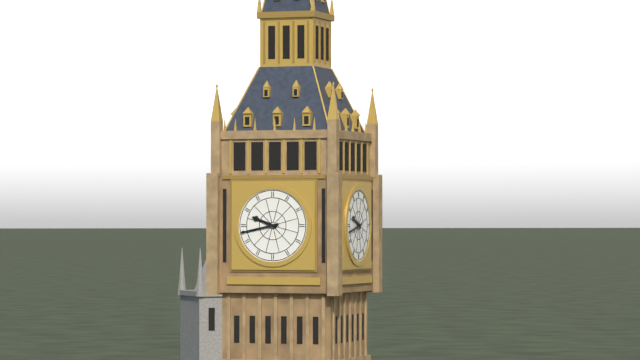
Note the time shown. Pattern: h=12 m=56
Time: h=9 m=43
